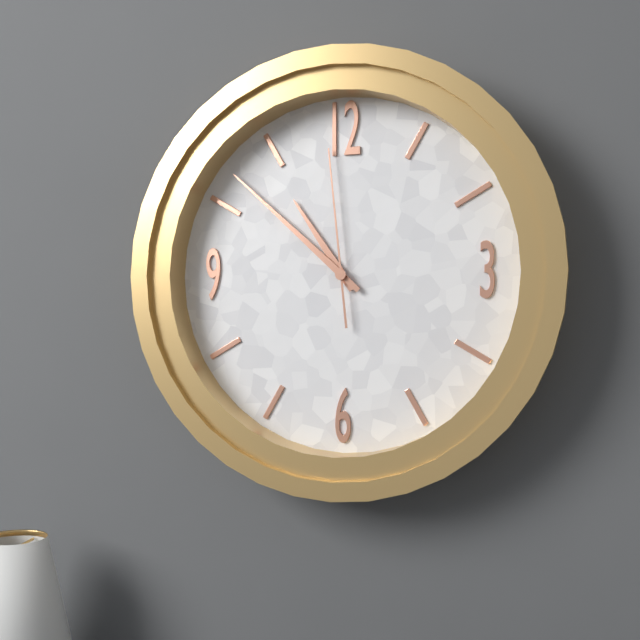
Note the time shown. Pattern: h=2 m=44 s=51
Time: h=10 m=52 s=59
